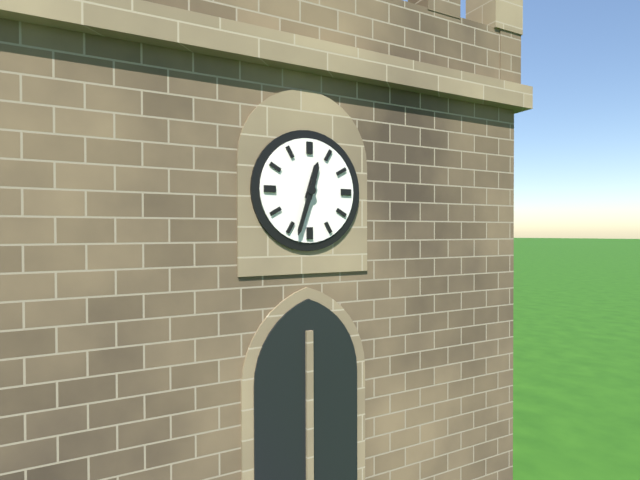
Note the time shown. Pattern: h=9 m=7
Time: h=12 m=33
